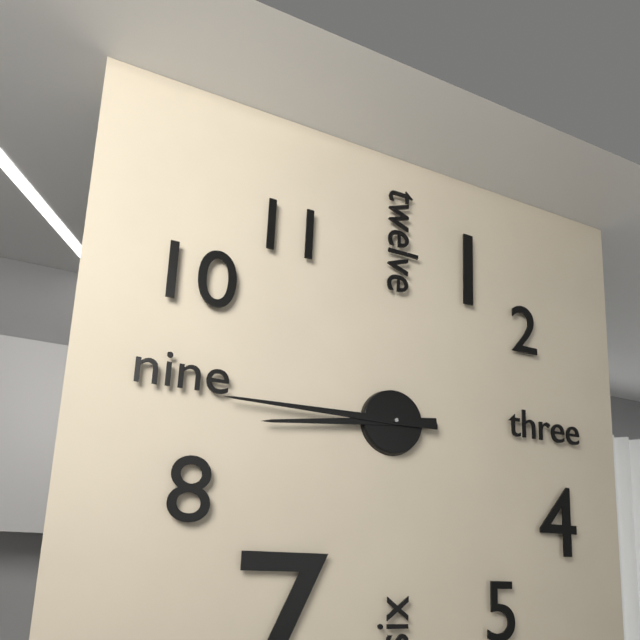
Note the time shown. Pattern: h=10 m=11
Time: h=8 m=45
